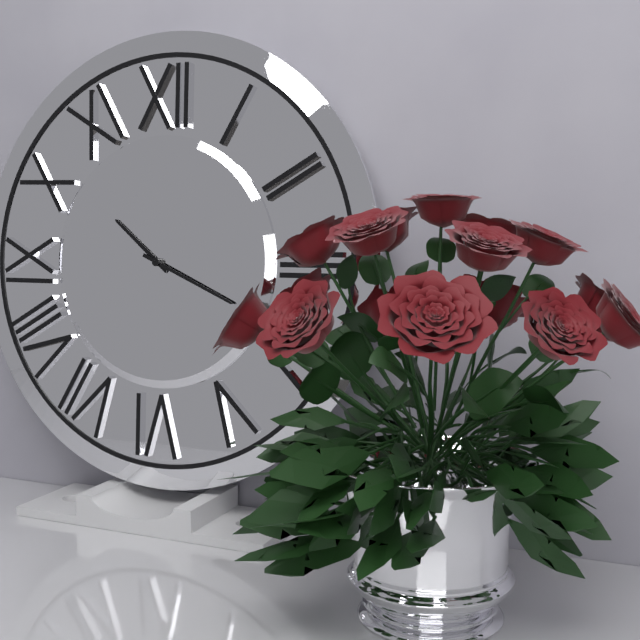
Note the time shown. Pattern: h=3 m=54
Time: h=10 m=19
